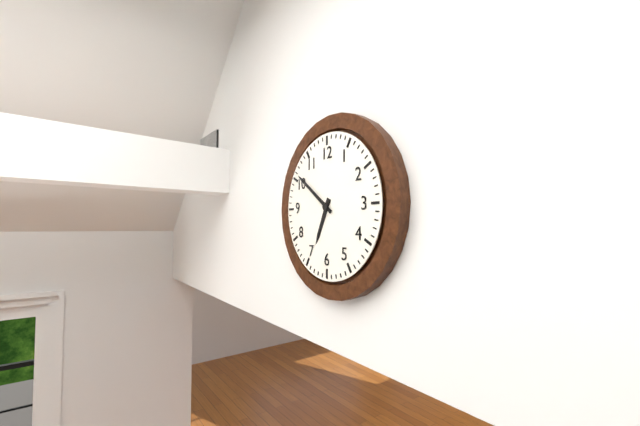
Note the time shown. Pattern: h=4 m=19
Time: h=6 m=51
